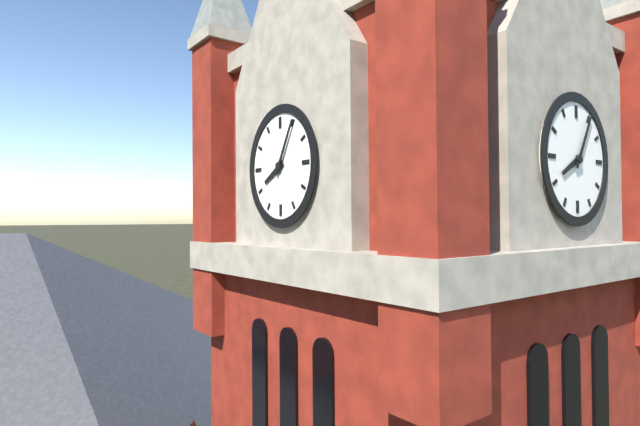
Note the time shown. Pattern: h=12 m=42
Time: h=8 m=5
